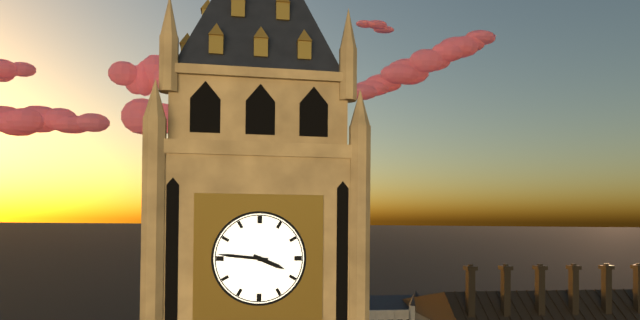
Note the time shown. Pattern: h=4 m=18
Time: h=3 m=46
